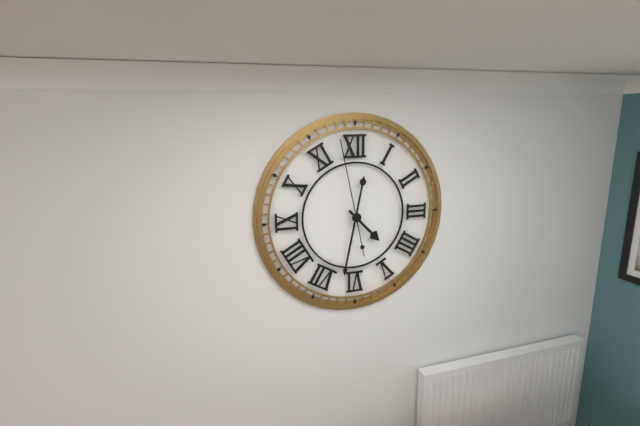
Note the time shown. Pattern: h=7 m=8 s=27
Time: h=4 m=32 s=58
